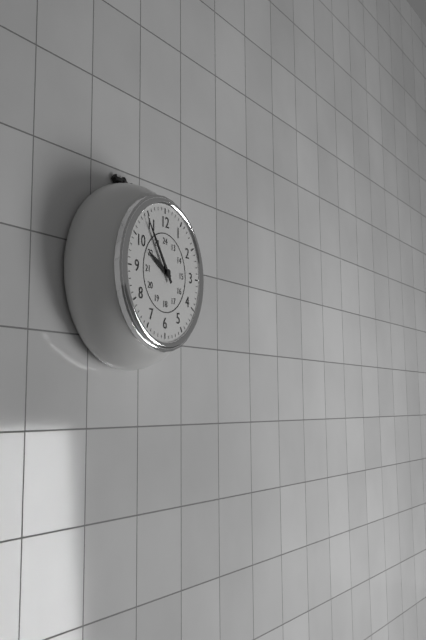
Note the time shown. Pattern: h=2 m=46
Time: h=9 m=54
